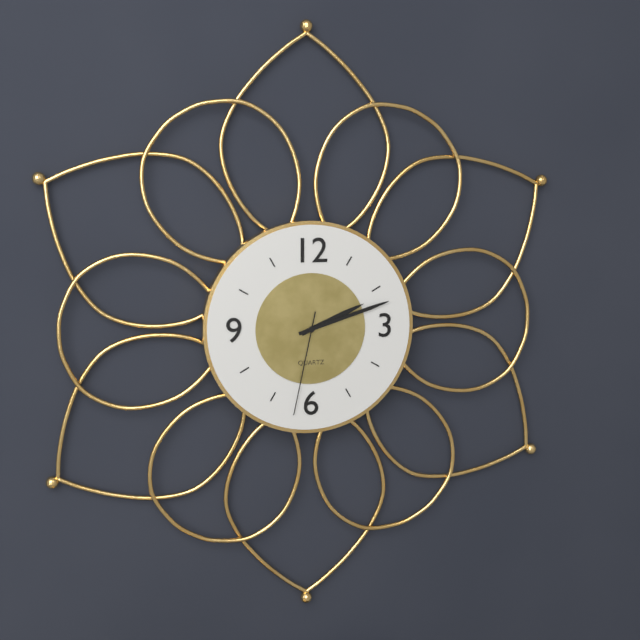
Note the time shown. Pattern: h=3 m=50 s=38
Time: h=2 m=12 s=32
